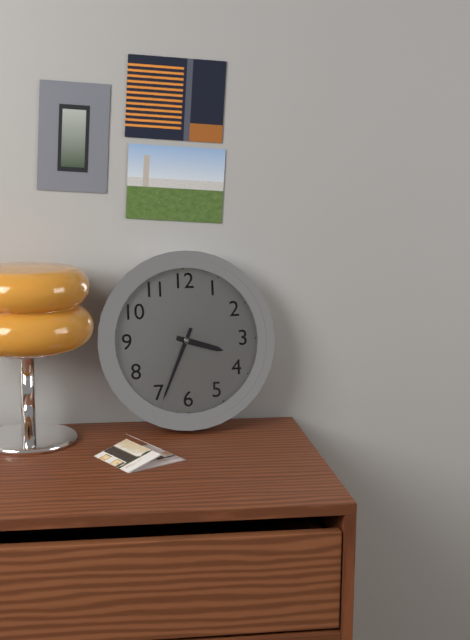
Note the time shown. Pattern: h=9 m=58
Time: h=3 m=34
